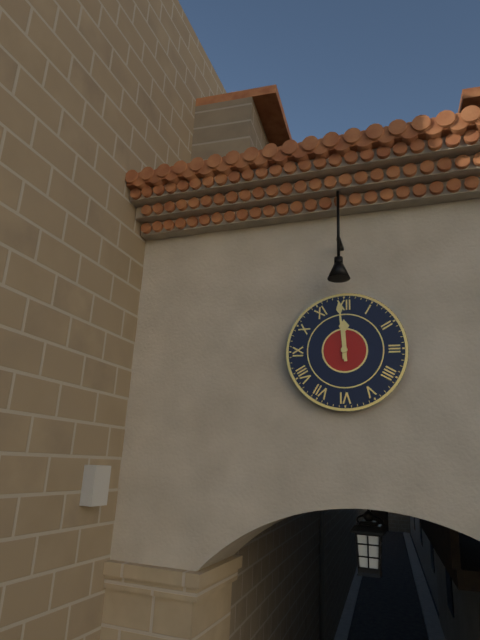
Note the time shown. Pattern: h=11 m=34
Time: h=11 m=59
